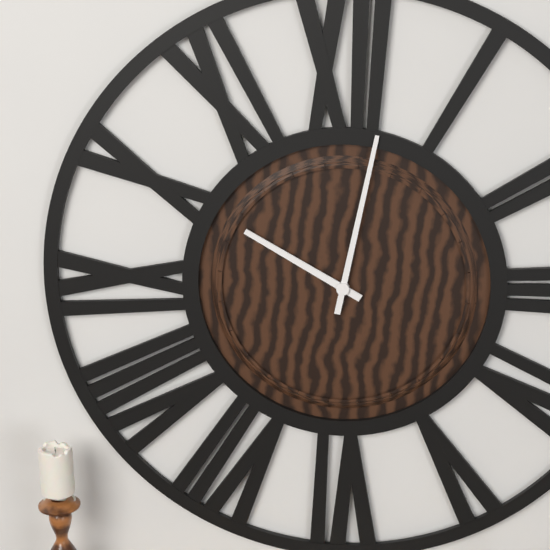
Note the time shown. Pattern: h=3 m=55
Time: h=10 m=2
